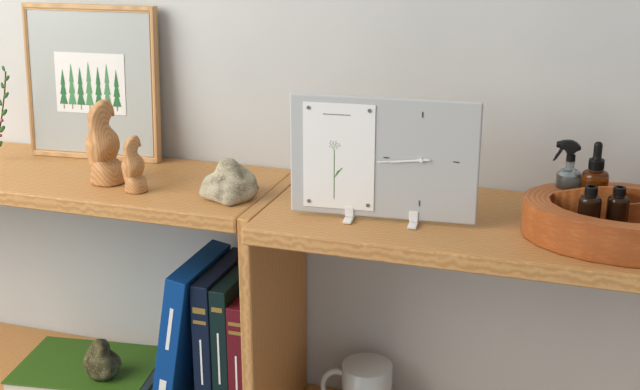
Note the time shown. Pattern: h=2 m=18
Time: h=8 m=44
